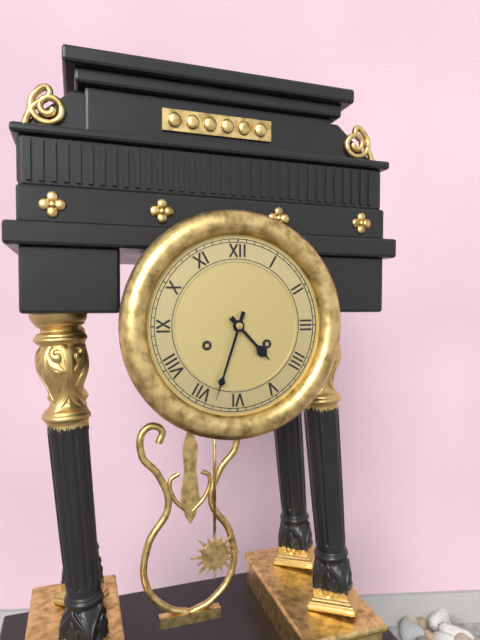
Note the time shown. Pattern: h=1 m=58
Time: h=4 m=33
